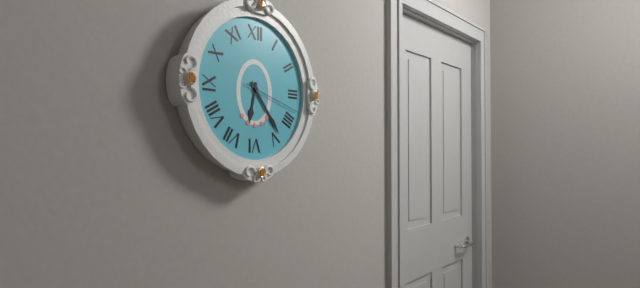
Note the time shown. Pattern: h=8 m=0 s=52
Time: h=6 m=24 s=18
